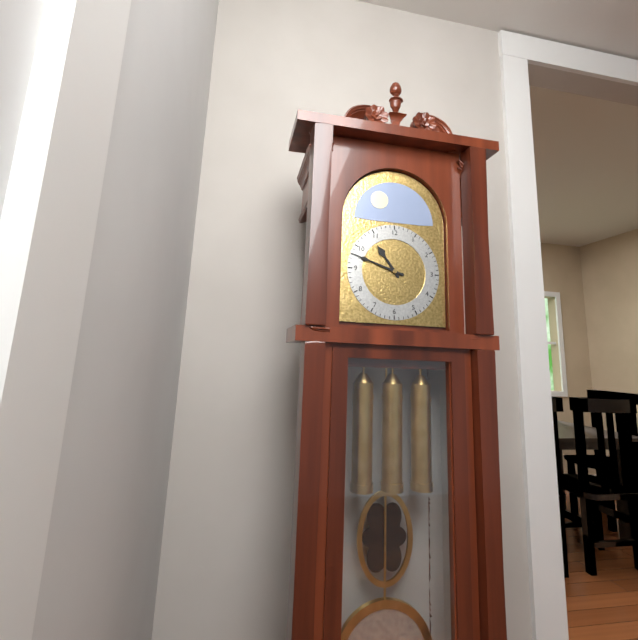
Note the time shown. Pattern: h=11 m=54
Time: h=10 m=48
